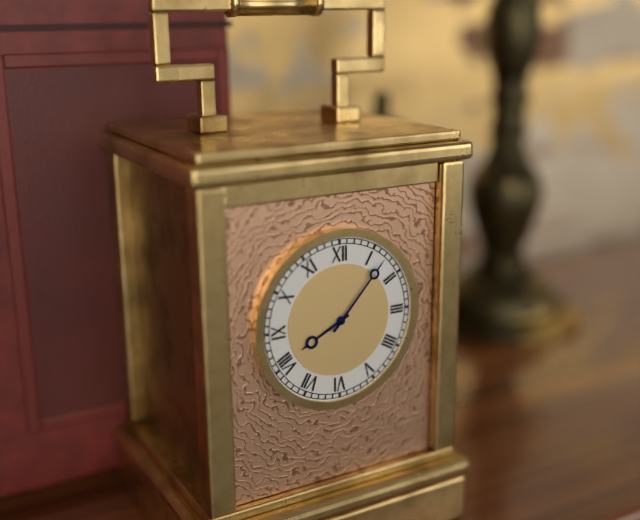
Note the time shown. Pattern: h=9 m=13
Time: h=8 m=7
